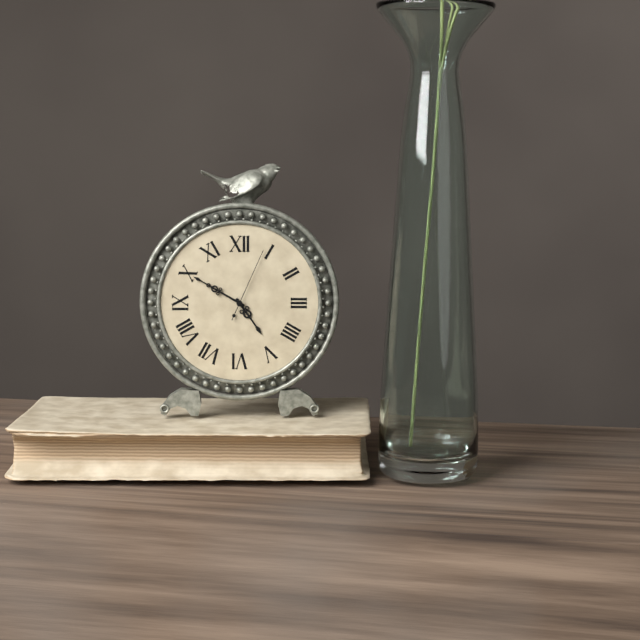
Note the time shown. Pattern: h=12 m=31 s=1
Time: h=4 m=50 s=4
